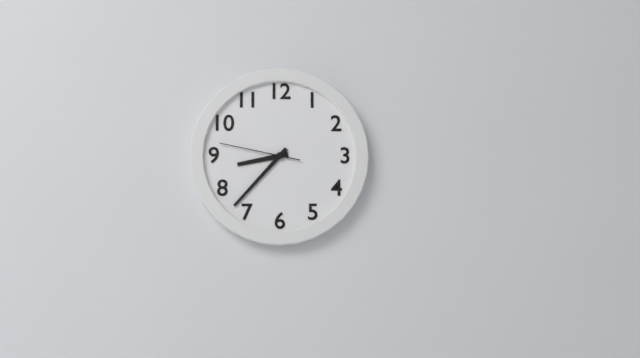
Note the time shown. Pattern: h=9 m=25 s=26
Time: h=8 m=37 s=47
